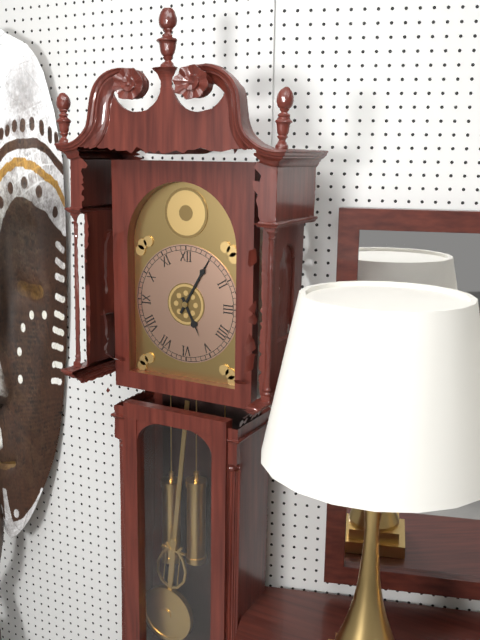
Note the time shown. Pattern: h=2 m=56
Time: h=5 m=5
